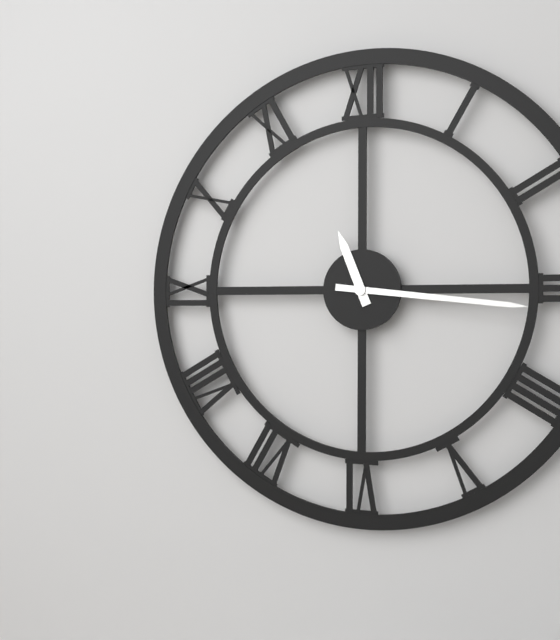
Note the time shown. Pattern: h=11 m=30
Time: h=11 m=16
